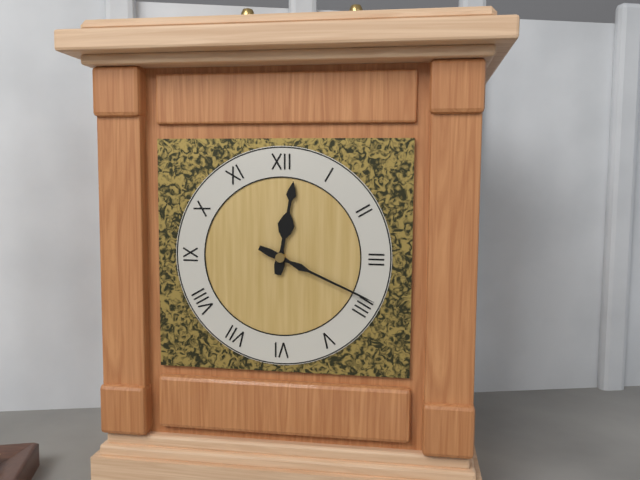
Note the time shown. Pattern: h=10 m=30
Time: h=12 m=19
